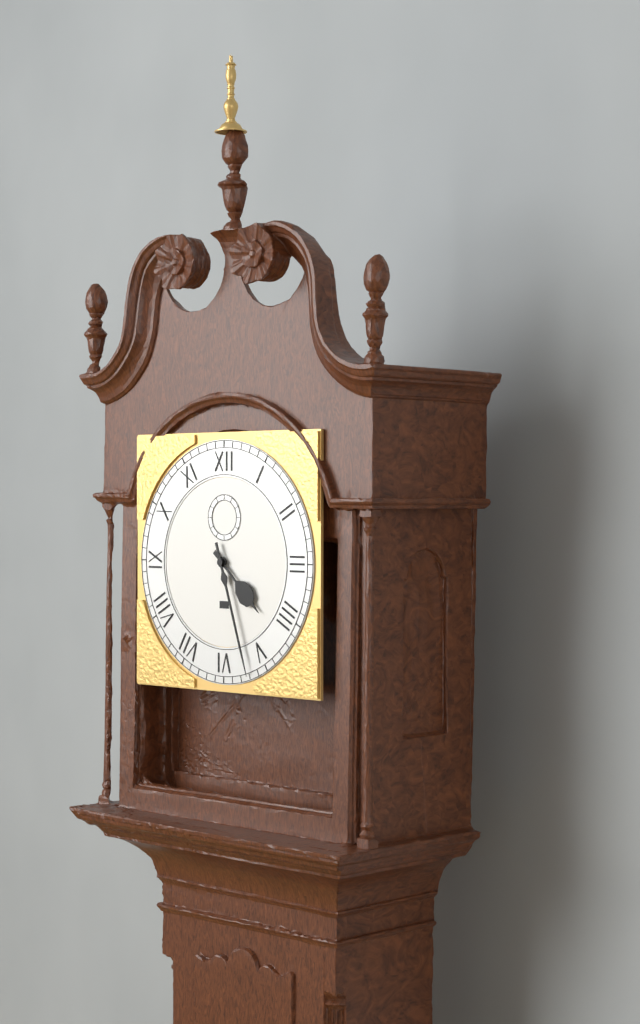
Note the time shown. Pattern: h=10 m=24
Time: h=4 m=27
